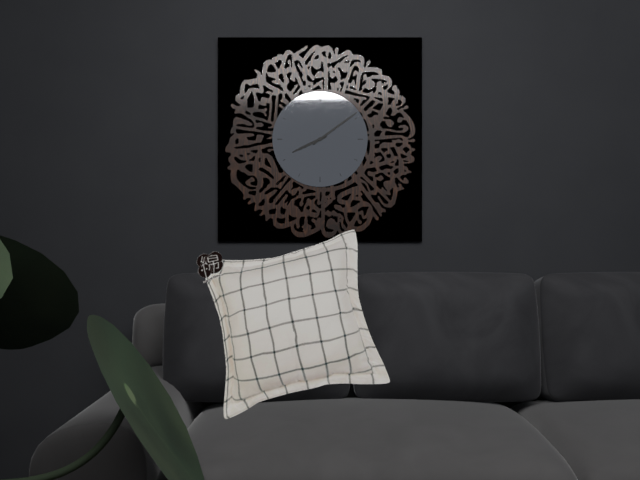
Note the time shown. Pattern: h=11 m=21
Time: h=8 m=9
